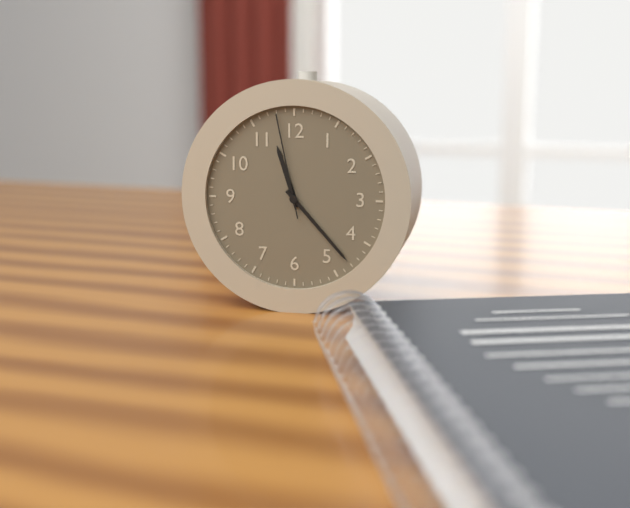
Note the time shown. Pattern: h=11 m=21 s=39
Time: h=11 m=23 s=58
